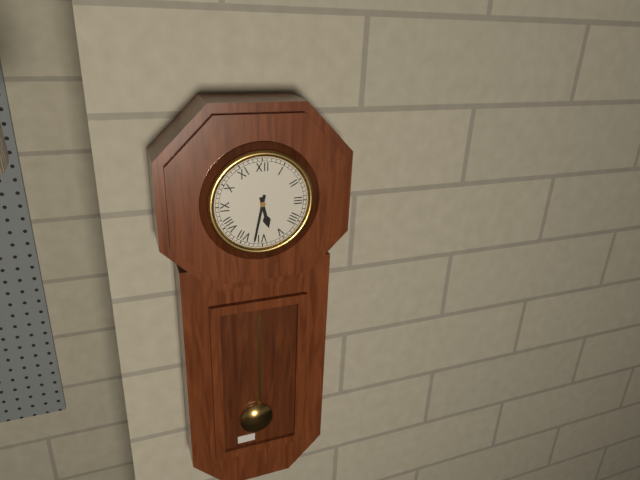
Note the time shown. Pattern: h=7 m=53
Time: h=5 m=32
